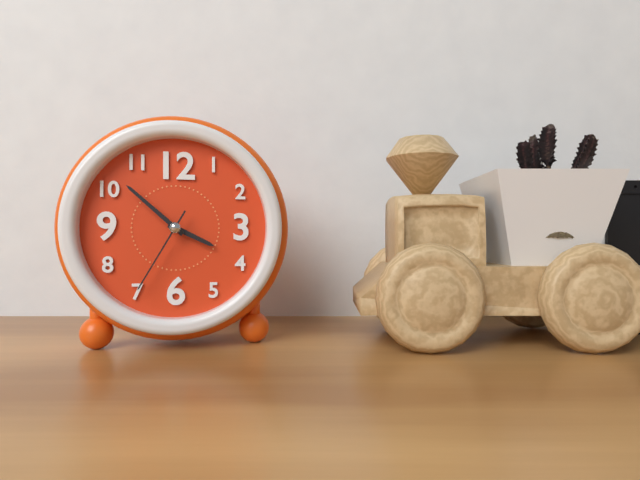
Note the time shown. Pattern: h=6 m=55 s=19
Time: h=3 m=52 s=35
